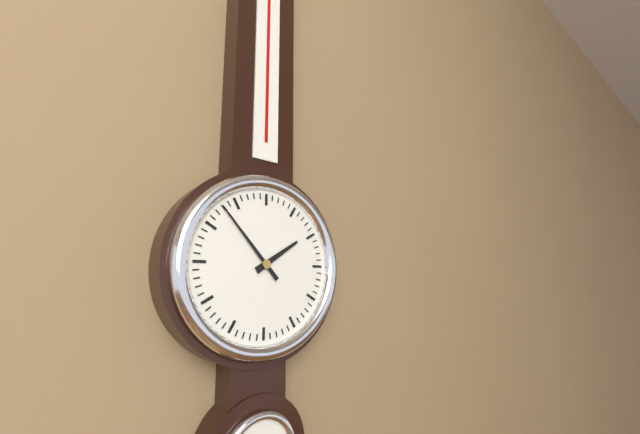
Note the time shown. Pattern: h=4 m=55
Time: h=1 m=53
